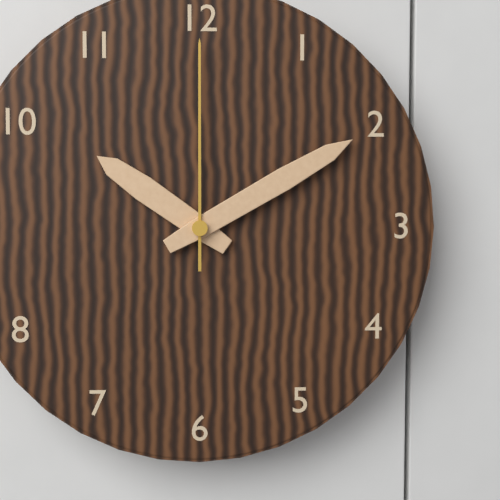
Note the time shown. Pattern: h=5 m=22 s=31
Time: h=10 m=10 s=0
